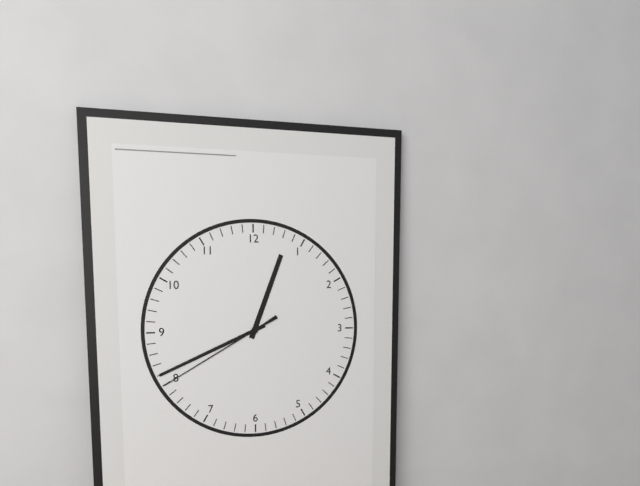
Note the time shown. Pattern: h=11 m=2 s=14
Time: h=12 m=41 s=40
